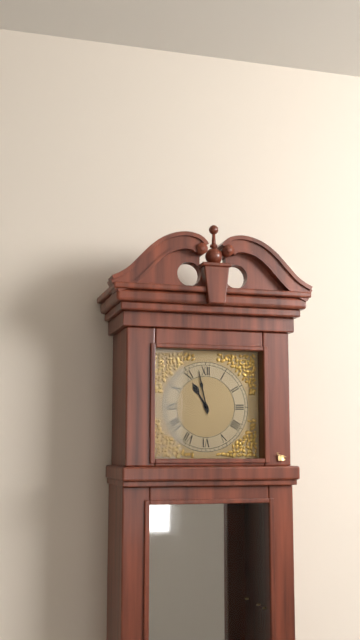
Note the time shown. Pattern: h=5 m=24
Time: h=10 m=58
